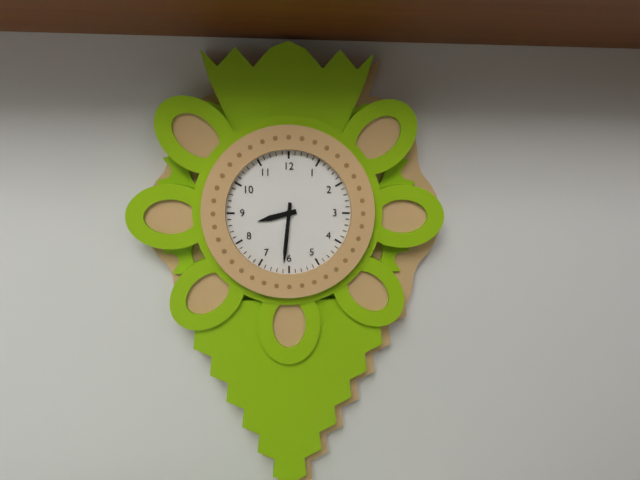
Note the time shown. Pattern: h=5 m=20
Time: h=8 m=31
